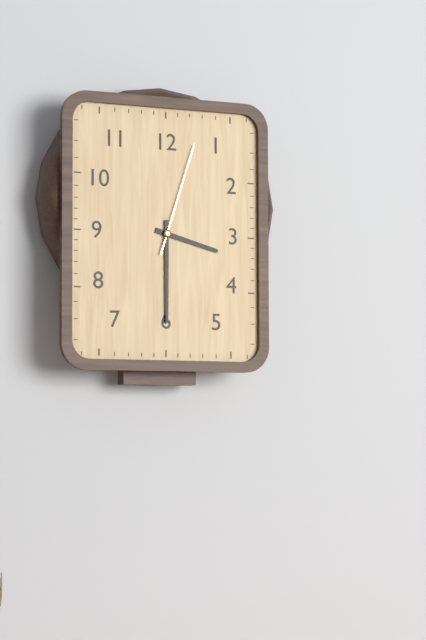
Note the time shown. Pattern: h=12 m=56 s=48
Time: h=3 m=30 s=3
